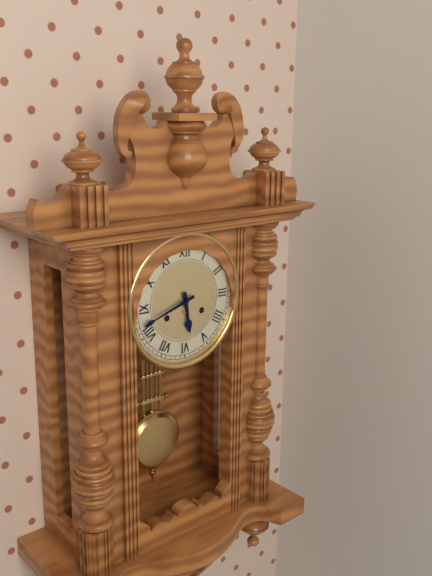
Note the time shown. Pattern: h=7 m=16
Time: h=5 m=42
